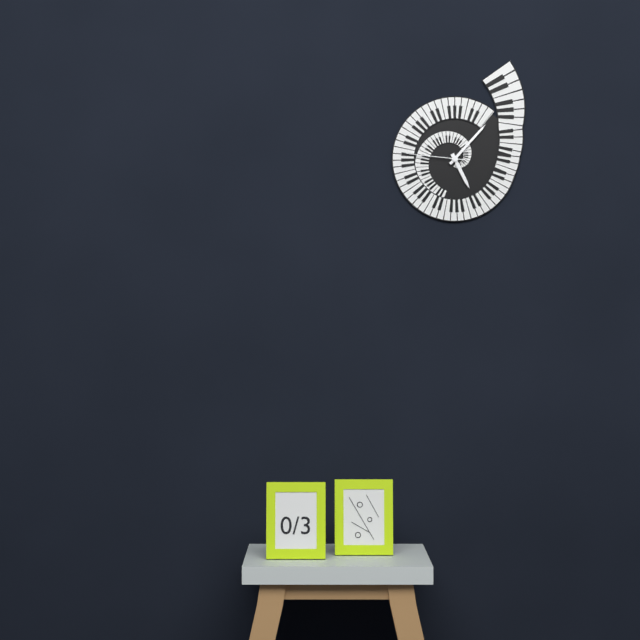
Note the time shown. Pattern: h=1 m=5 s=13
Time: h=5 m=7 s=46
